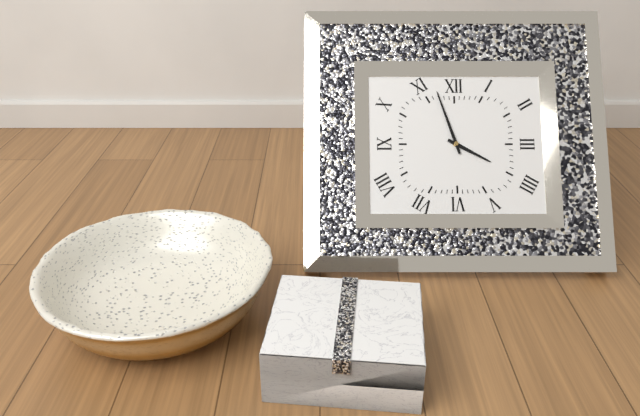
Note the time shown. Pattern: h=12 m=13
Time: h=3 m=57
